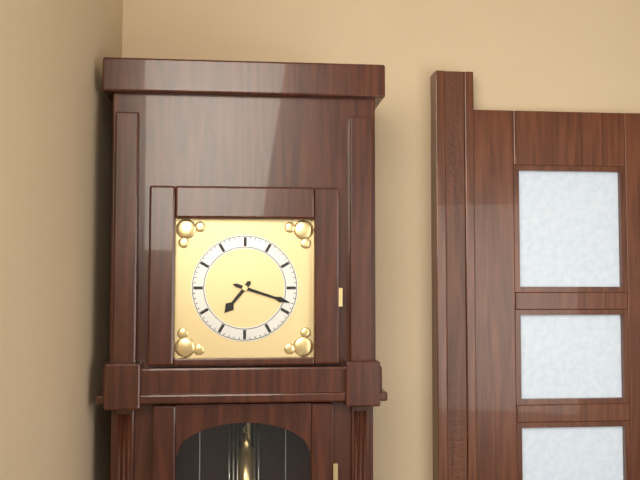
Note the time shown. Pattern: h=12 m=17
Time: h=7 m=18
